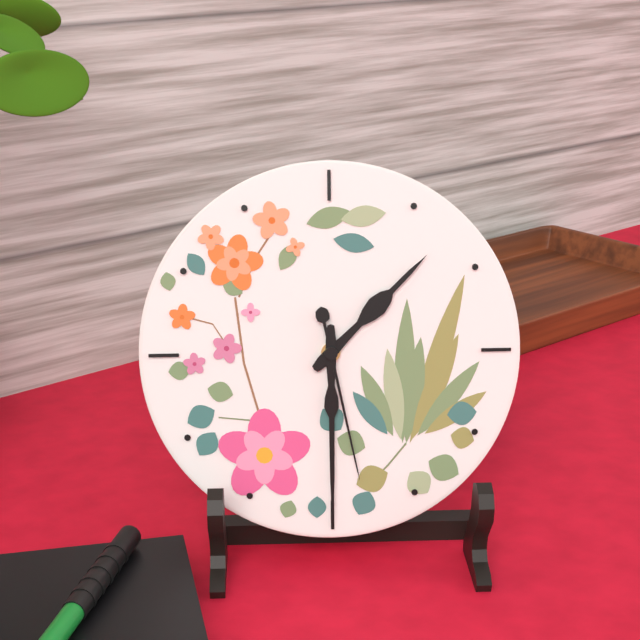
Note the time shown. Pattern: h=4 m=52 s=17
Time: h=1 m=30 s=28
